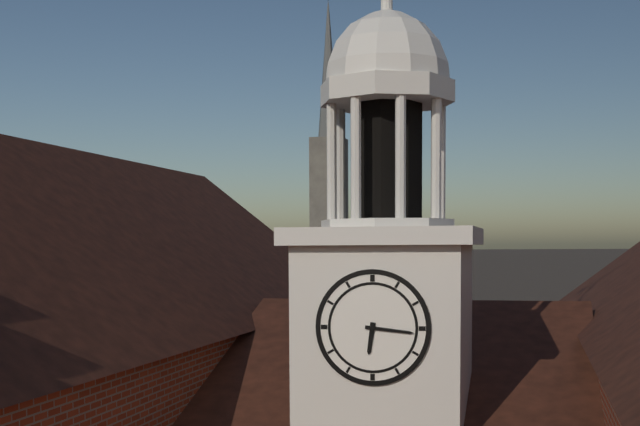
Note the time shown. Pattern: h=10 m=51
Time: h=6 m=16
